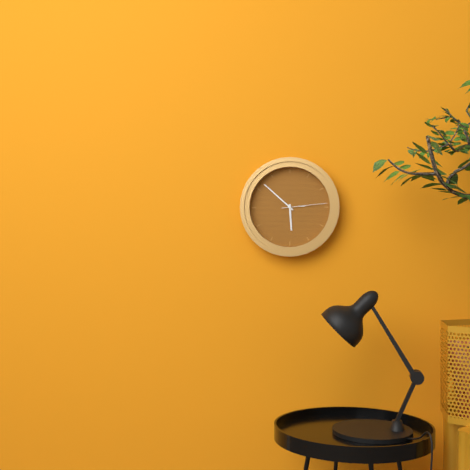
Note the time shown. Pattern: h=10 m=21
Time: h=5 m=52
